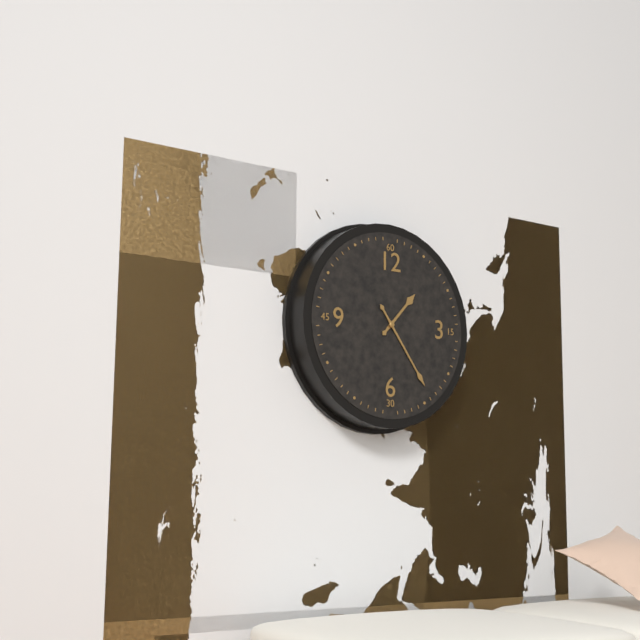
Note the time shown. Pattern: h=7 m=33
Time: h=1 m=24
